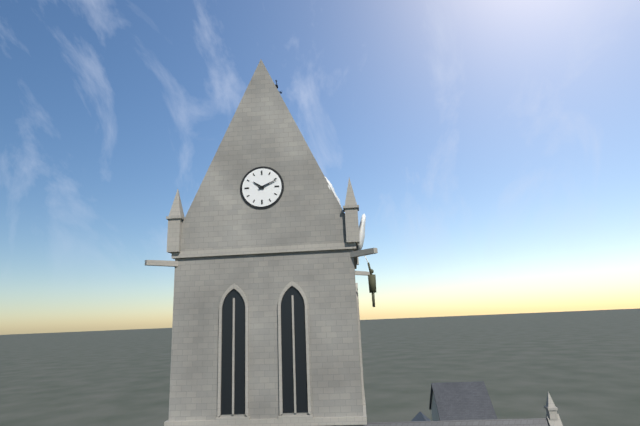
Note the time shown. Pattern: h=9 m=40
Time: h=10 m=11
